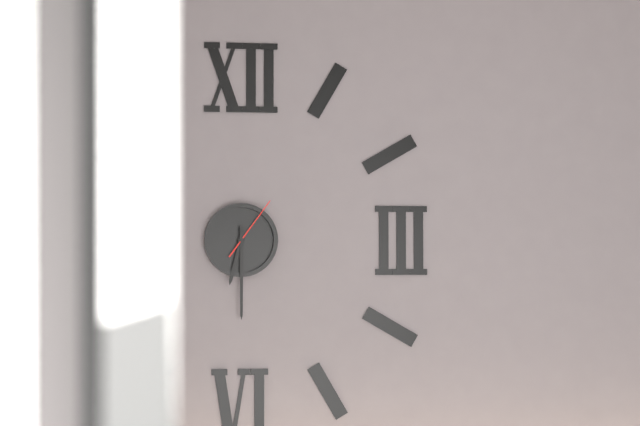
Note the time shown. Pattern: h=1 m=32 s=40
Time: h=6 m=30 s=6
